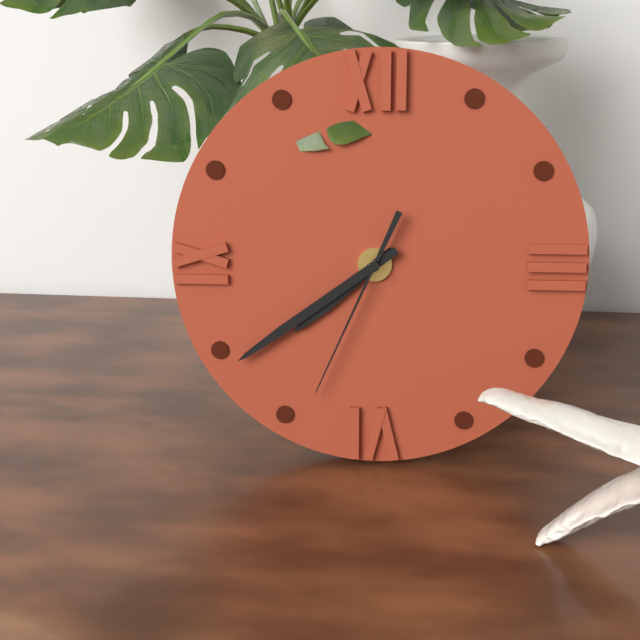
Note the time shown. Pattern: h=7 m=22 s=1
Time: h=7 m=39 s=34
